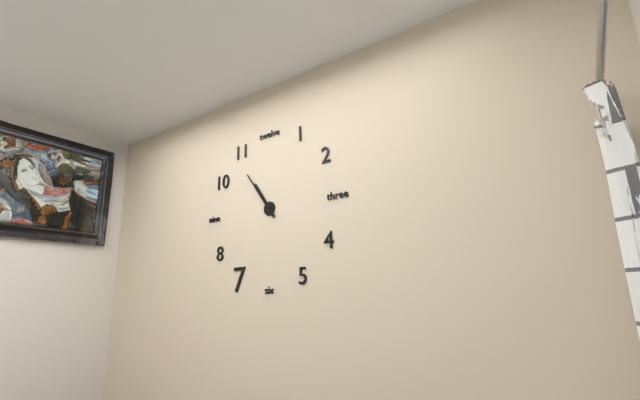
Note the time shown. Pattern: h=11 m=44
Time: h=10 m=54
